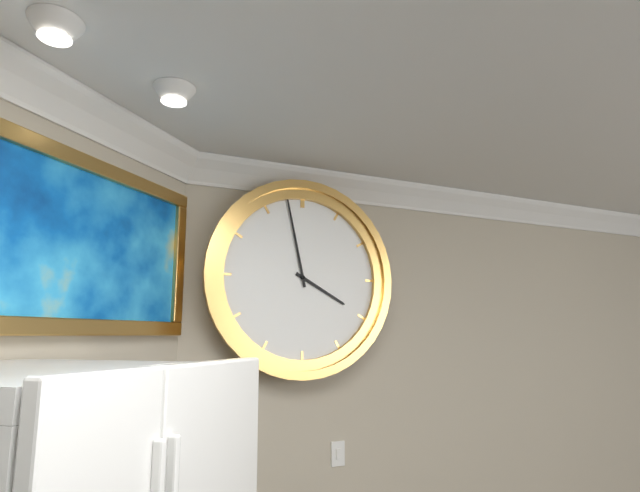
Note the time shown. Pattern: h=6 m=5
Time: h=3 m=58
